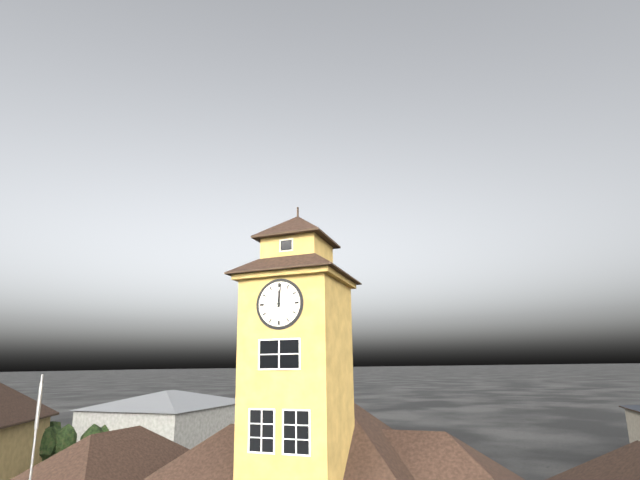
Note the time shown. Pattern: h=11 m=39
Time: h=12 m=1
